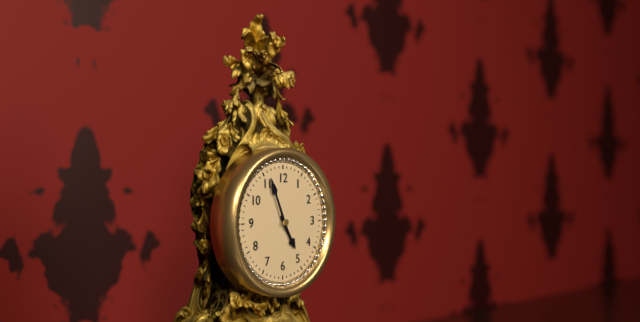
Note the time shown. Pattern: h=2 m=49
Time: h=4 m=56
